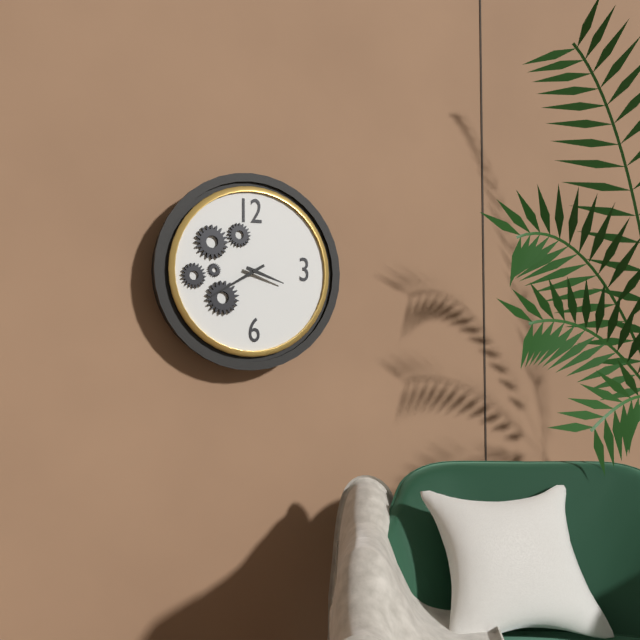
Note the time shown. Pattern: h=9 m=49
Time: h=3 m=40
